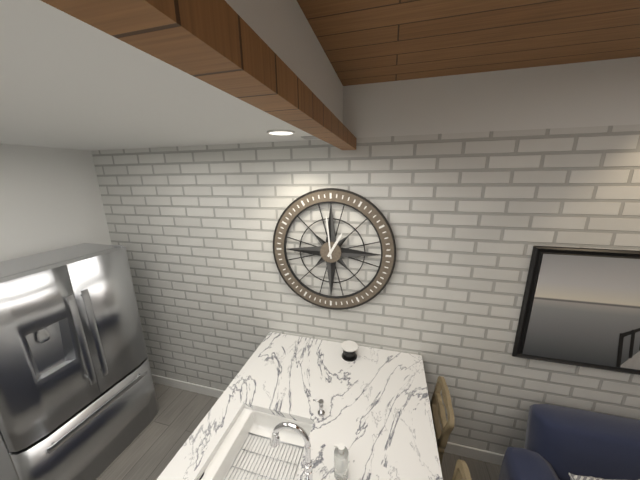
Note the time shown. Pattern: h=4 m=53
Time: h=12 m=59
